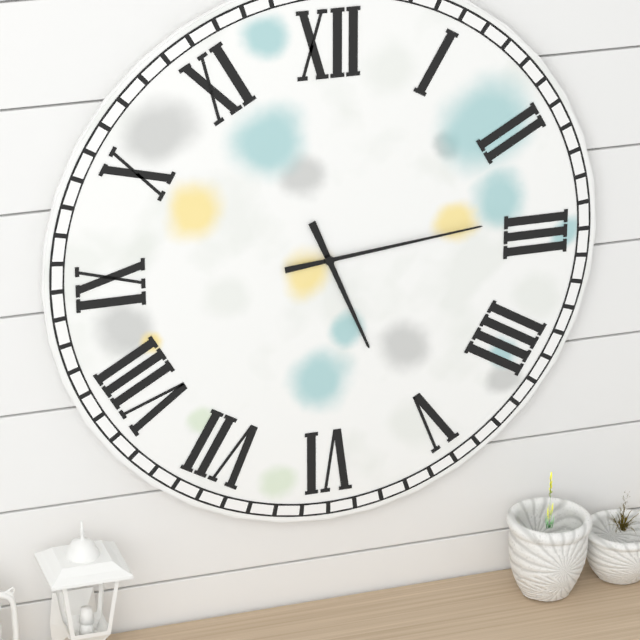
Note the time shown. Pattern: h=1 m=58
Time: h=5 m=14
